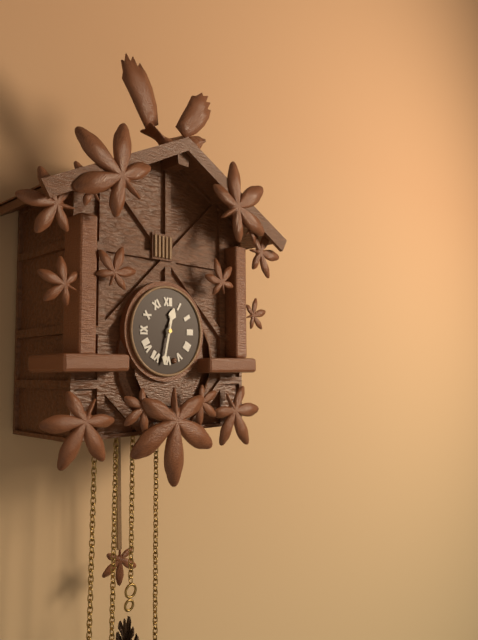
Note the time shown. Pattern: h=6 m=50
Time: h=12 m=32
